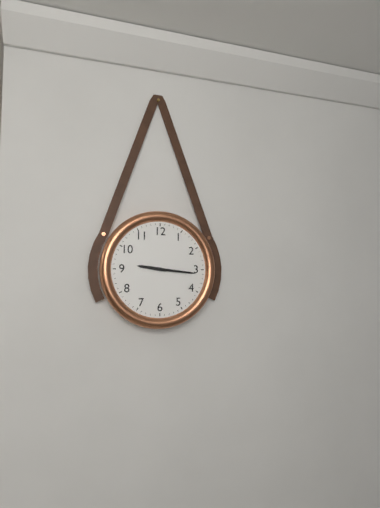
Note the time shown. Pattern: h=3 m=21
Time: h=9 m=16
